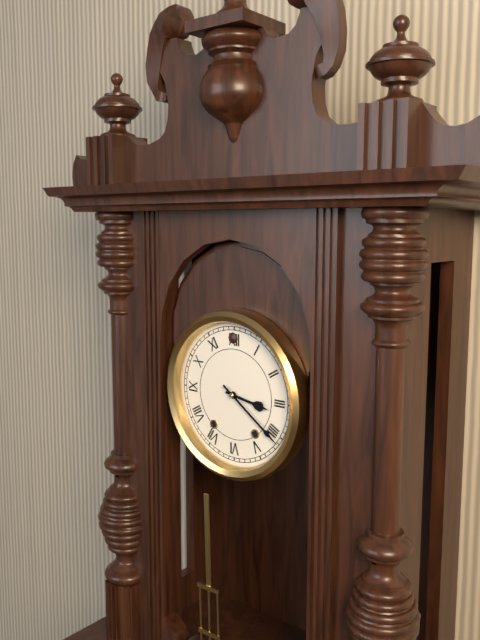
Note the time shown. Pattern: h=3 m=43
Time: h=3 m=21
